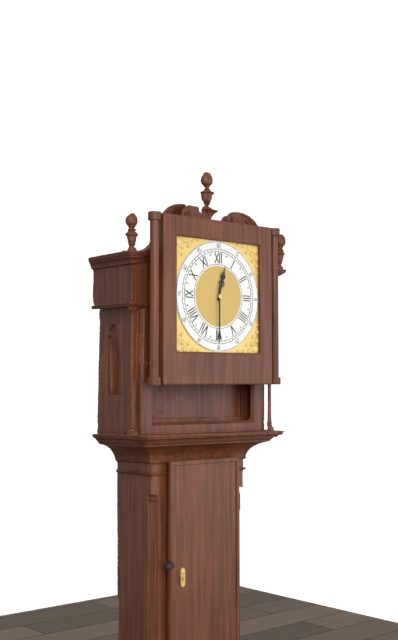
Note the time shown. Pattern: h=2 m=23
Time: h=12 m=30
